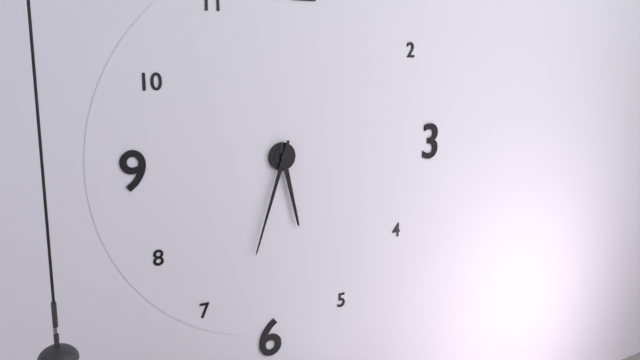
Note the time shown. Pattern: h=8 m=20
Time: h=5 m=33
